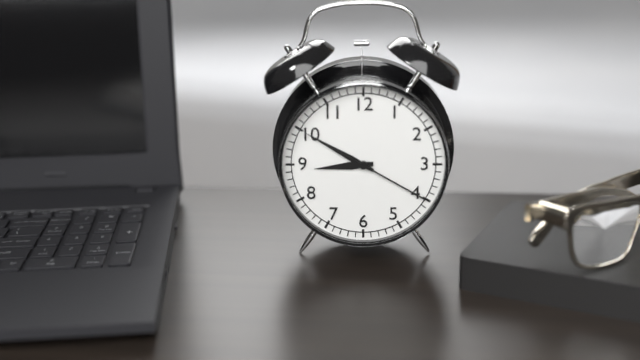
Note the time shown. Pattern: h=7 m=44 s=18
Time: h=8 m=50 s=20
